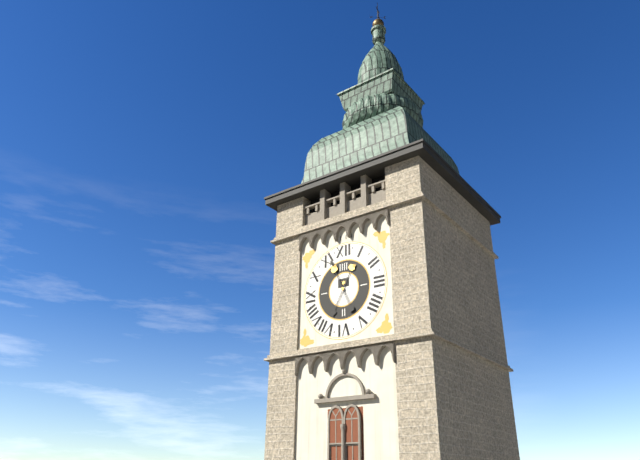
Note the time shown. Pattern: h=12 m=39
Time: h=12 m=56
